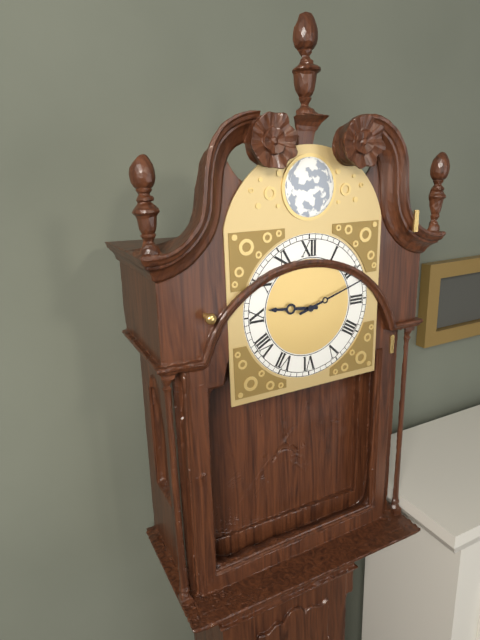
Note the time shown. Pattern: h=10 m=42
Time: h=9 m=12
